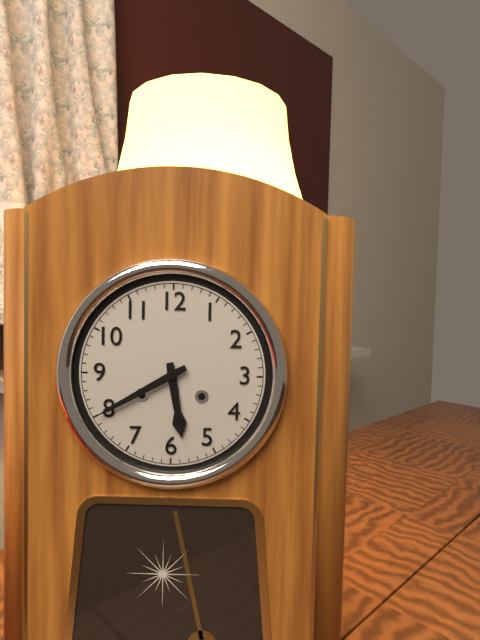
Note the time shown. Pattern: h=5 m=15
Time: h=5 m=40
